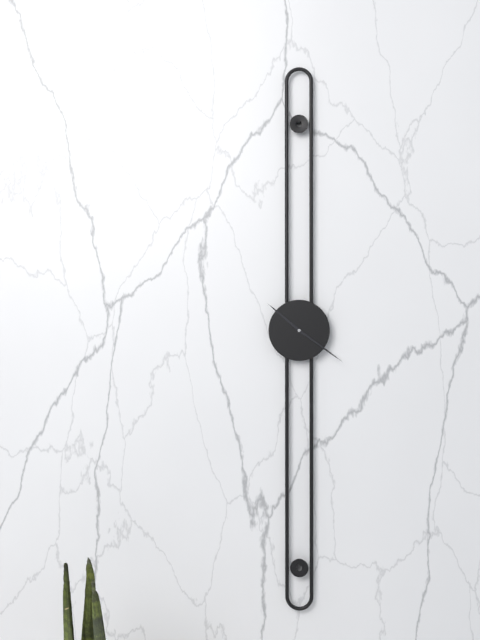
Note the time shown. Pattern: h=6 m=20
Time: h=10 m=21
